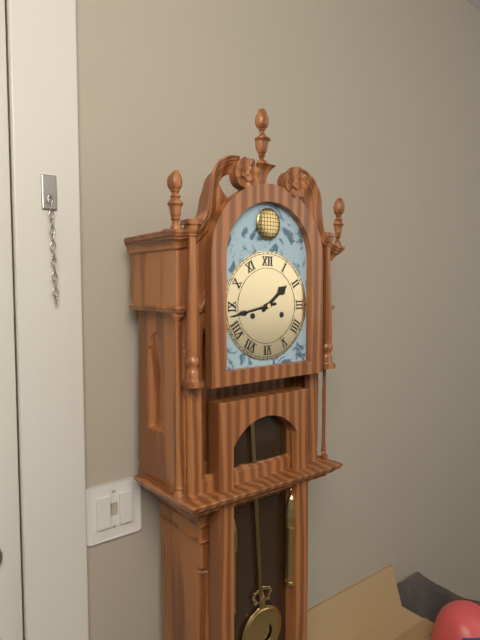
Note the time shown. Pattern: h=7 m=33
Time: h=1 m=43
